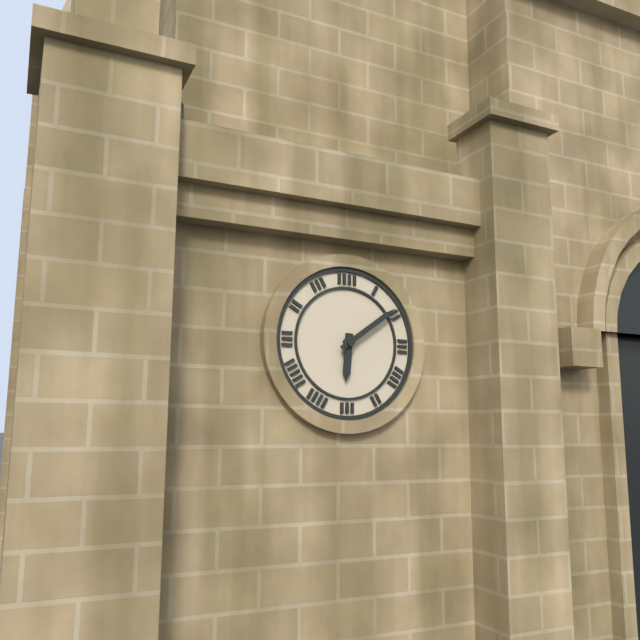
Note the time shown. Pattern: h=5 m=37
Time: h=6 m=9
